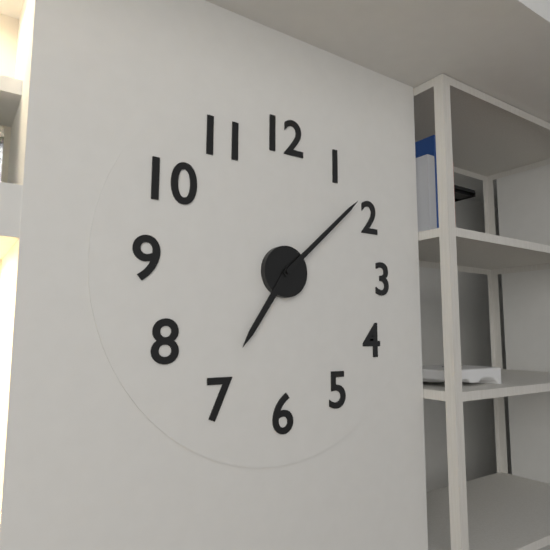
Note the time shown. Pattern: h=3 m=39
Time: h=7 m=8
